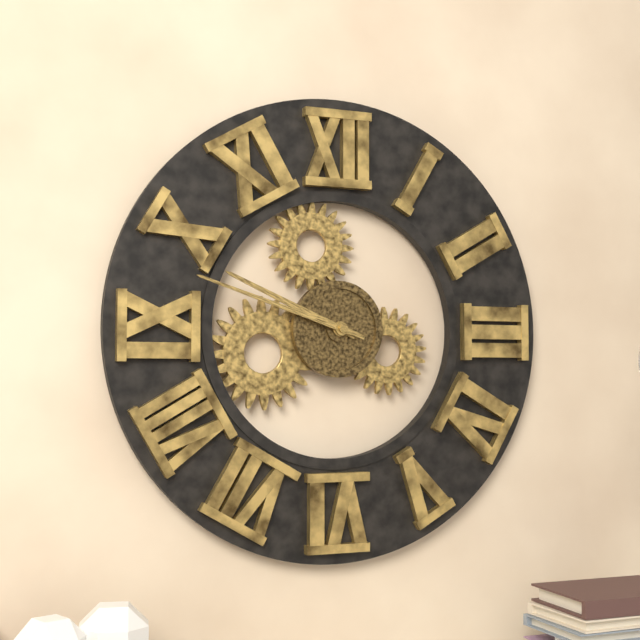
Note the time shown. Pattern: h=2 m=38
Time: h=9 m=48
